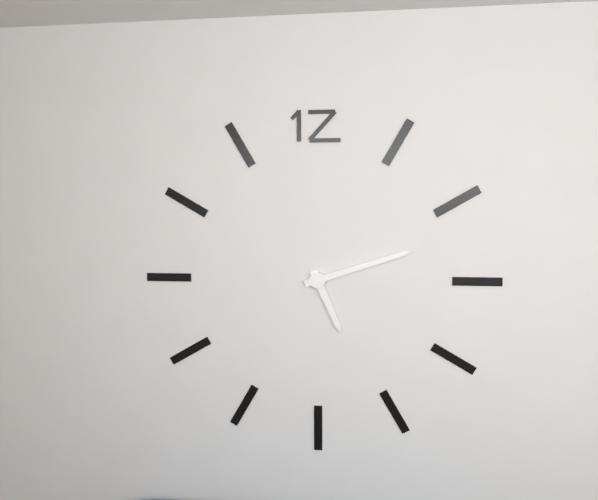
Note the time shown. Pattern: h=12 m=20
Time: h=5 m=12
